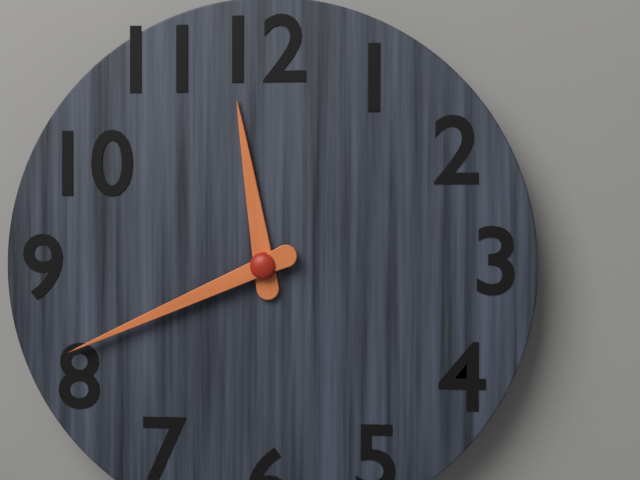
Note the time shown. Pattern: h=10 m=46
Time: h=11 m=41
